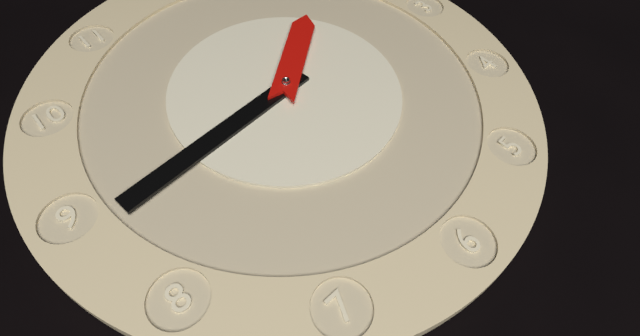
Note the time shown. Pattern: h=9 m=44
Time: h=1 m=44
